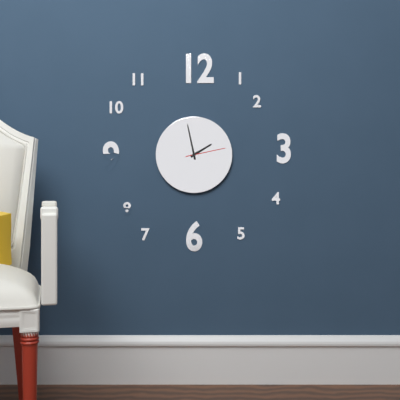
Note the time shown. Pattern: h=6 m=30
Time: h=1 m=58
